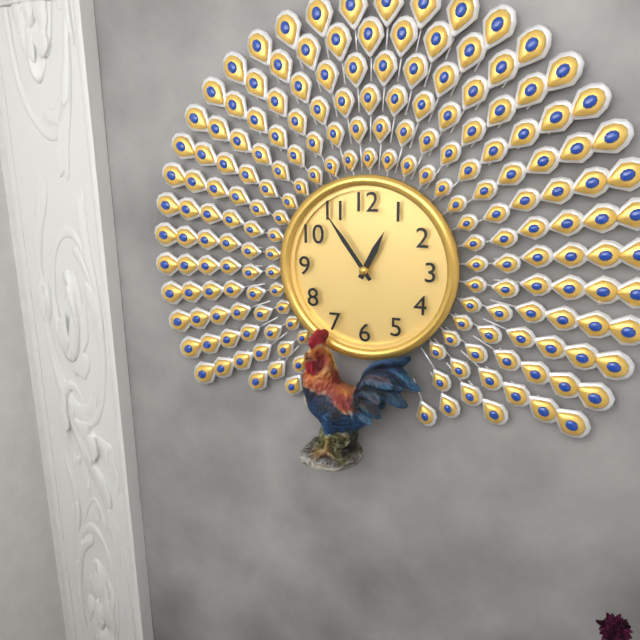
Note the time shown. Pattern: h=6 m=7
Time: h=12 m=54
